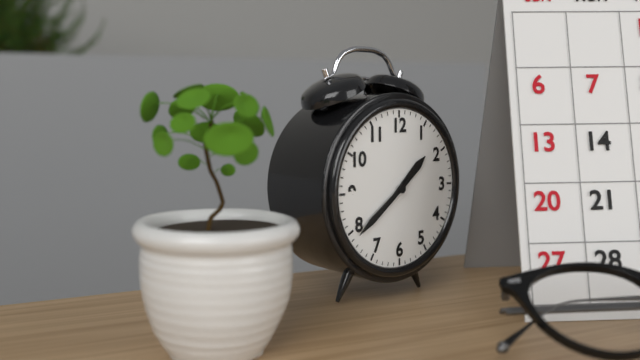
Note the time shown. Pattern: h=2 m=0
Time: h=1 m=39
